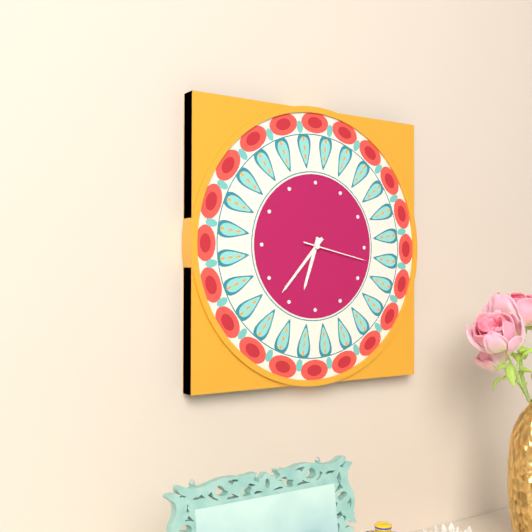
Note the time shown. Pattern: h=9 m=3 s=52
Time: h=6 m=37 s=17
